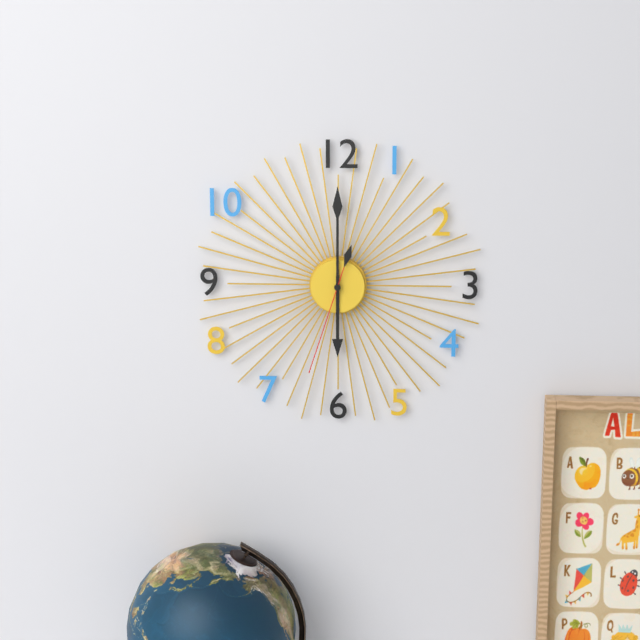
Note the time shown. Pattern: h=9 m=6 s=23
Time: h=6 m=0 s=33
